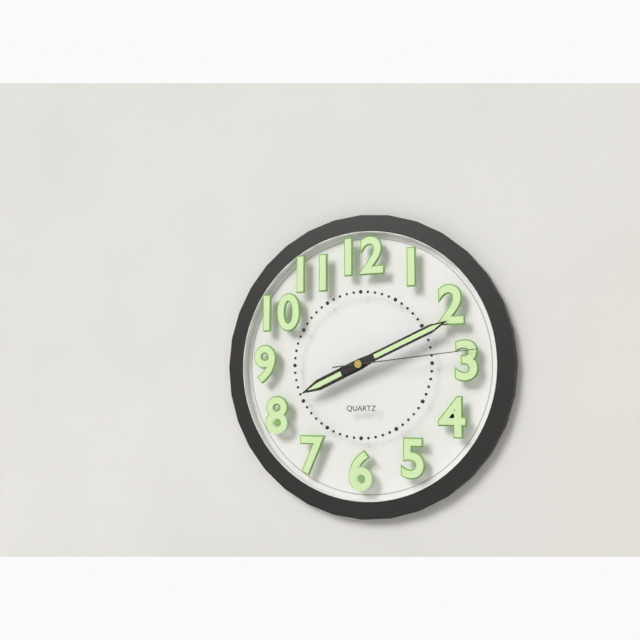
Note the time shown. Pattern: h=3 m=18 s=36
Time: h=8 m=11 s=14
